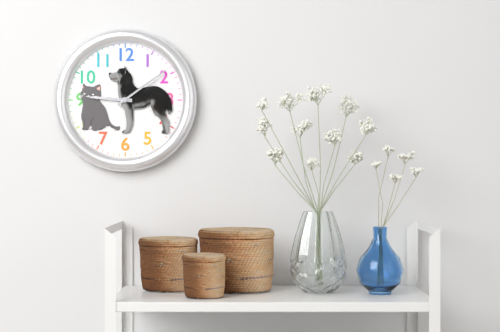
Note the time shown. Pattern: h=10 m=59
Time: h=9 m=9
